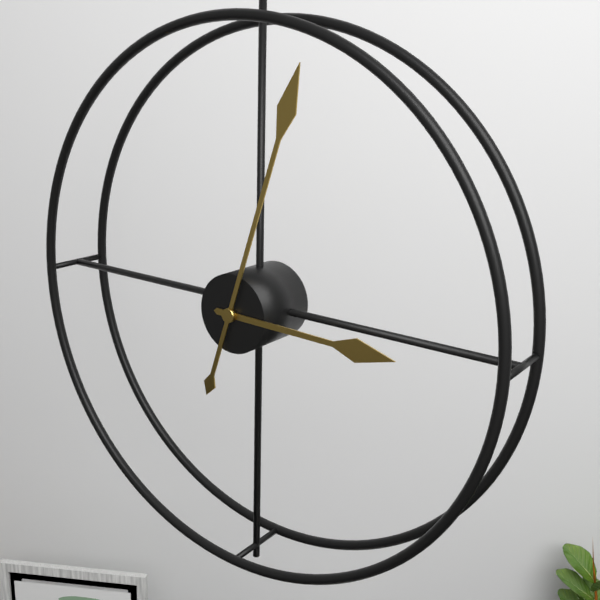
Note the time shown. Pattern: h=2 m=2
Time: h=3 m=3
